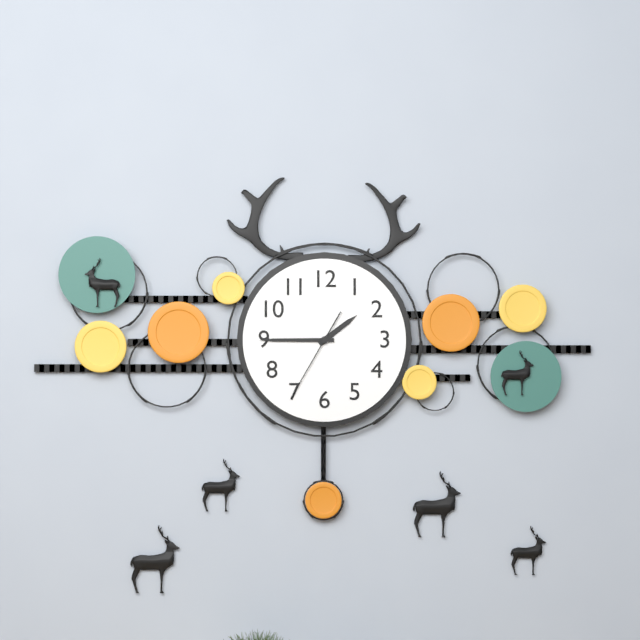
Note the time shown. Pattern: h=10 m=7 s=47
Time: h=1 m=45 s=35
